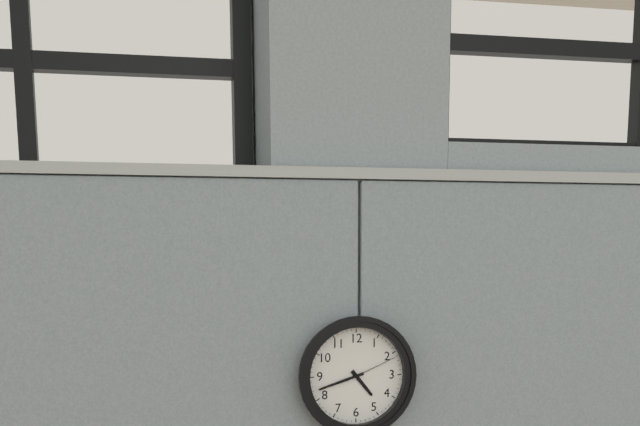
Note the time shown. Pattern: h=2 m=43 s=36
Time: h=4 m=42 s=11
